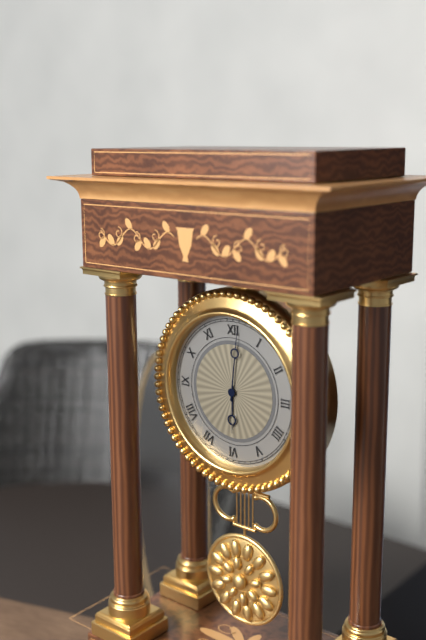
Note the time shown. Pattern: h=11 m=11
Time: h=6 m=1
